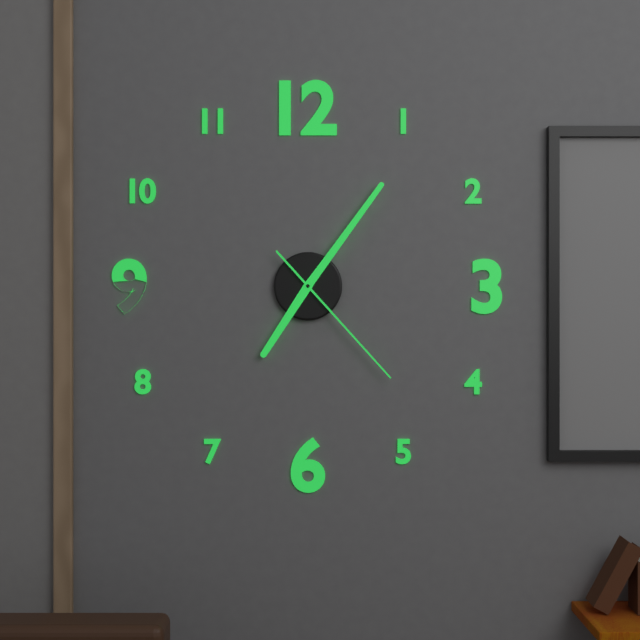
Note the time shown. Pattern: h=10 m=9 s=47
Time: h=7 m=6 s=23
